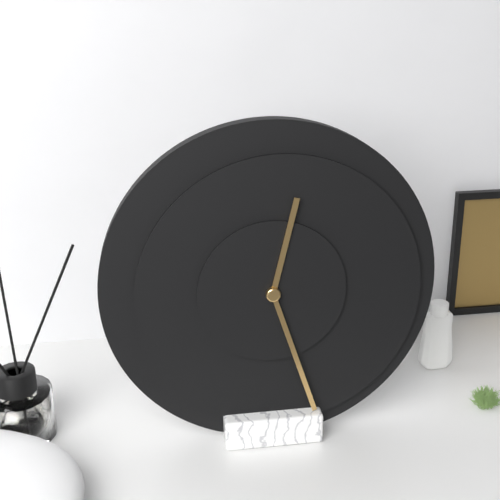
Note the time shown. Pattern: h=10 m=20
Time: h=12 m=27
